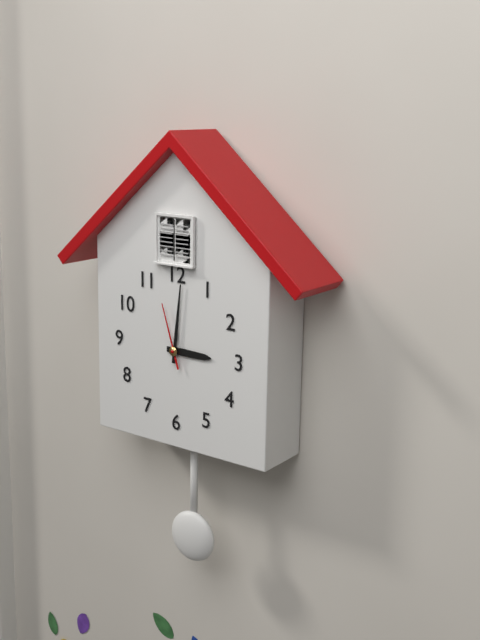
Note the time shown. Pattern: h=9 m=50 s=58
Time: h=3 m=1 s=57
